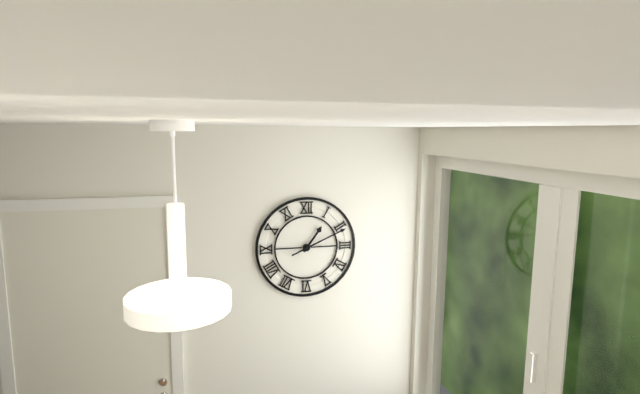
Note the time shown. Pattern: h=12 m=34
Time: h=1 m=11
